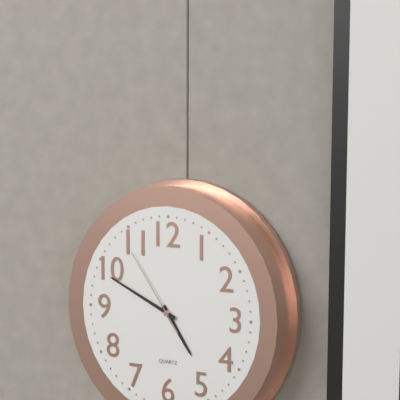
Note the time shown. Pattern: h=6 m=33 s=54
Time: h=4 m=49 s=54
